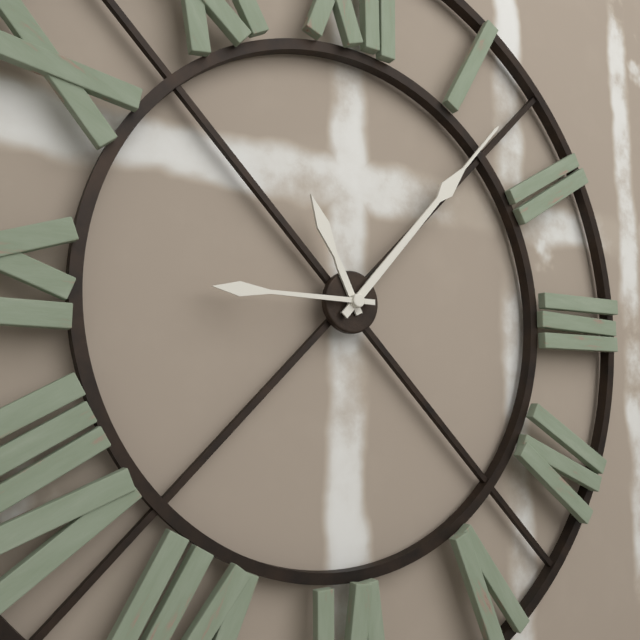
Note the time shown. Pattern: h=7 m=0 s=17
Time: h=11 m=7 s=45
